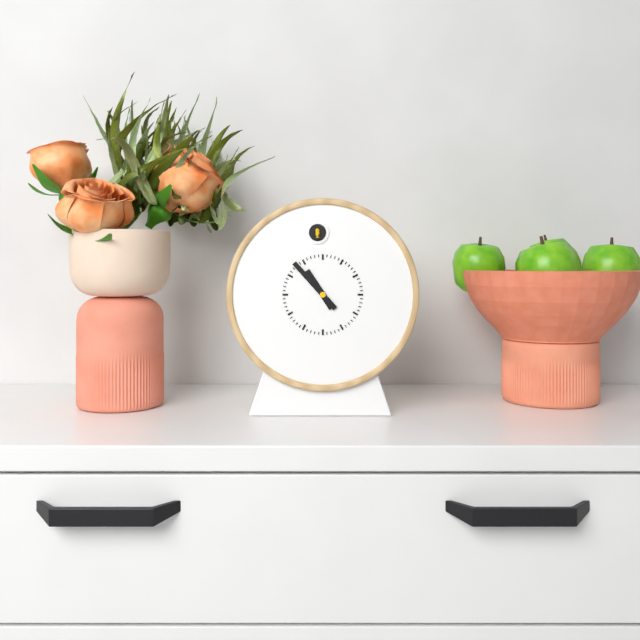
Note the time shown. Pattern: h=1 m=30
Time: h=10 m=53
